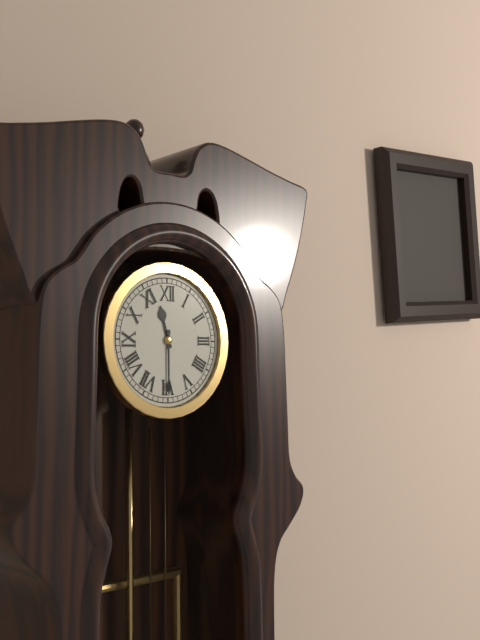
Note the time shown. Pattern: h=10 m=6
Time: h=11 m=30
